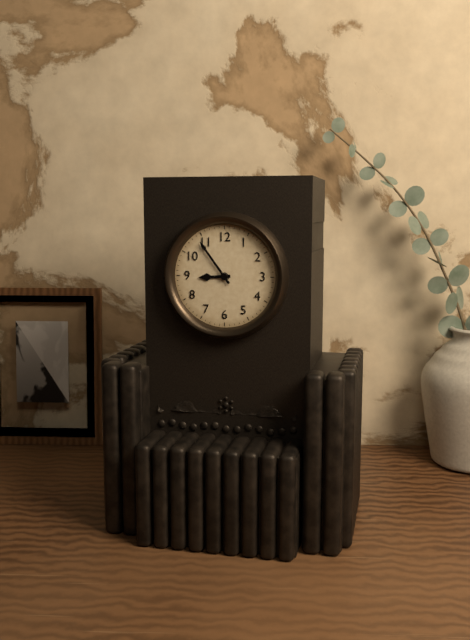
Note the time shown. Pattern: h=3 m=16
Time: h=8 m=54
